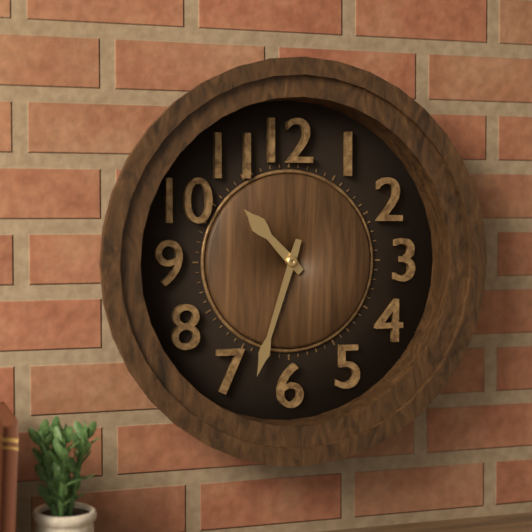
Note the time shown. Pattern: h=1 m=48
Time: h=10 m=33
